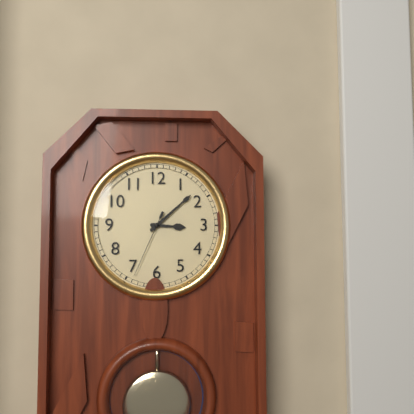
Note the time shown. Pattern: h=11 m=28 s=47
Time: h=3 m=8 s=34
